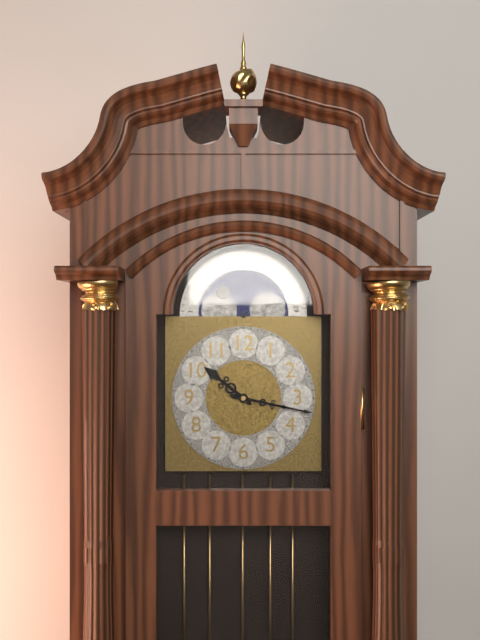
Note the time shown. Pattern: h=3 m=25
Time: h=10 m=17
